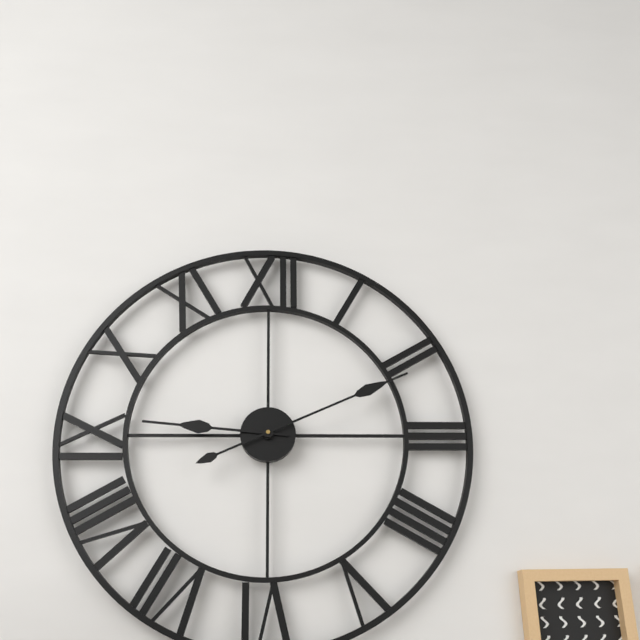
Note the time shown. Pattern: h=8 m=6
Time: h=9 m=11
